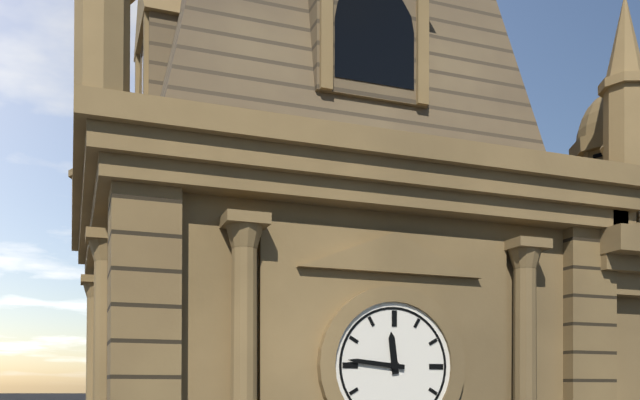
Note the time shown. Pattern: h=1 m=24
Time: h=11 m=46
